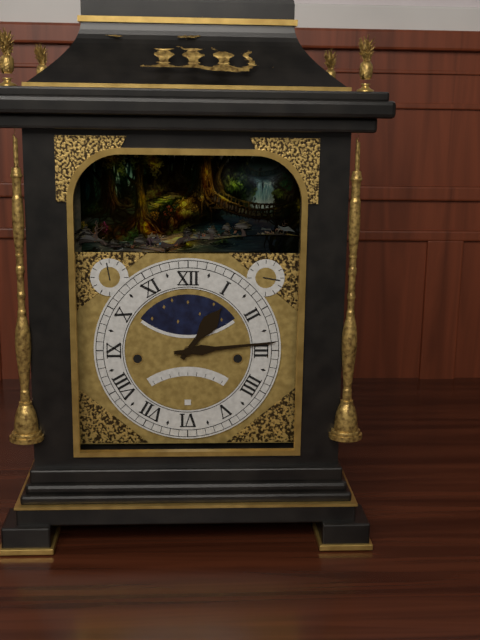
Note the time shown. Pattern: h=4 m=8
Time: h=1 m=14
